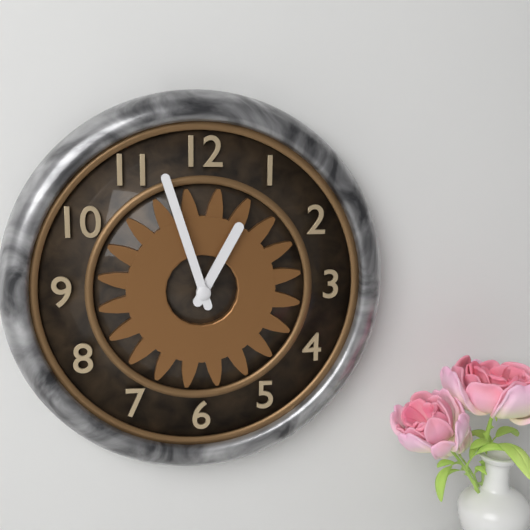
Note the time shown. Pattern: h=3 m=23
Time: h=12 m=57
